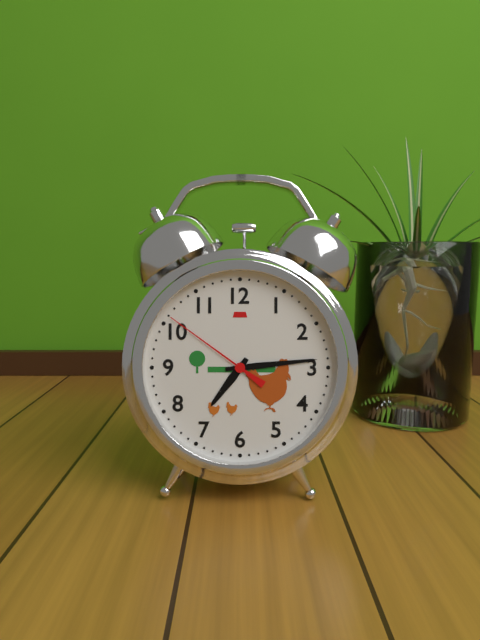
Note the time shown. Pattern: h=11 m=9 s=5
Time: h=7 m=14 s=51
